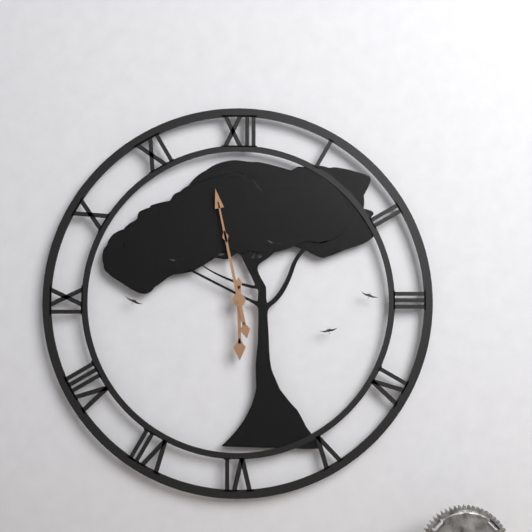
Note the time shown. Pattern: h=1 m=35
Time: h=5 m=58
